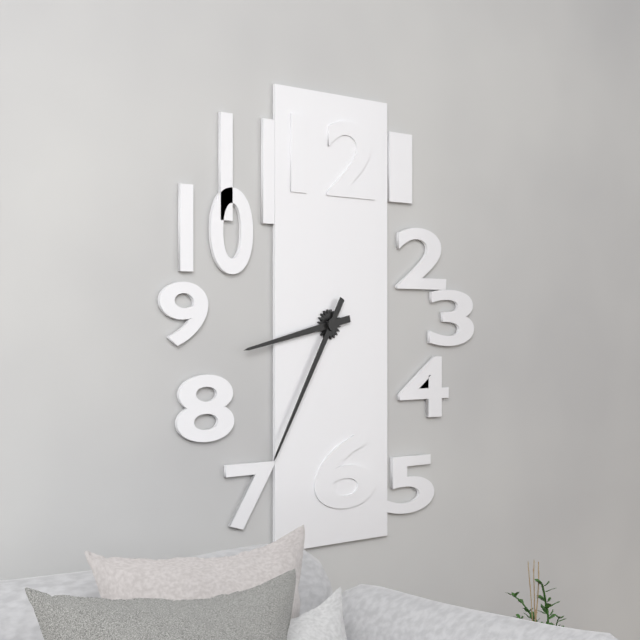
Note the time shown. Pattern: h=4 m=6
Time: h=8 m=35
